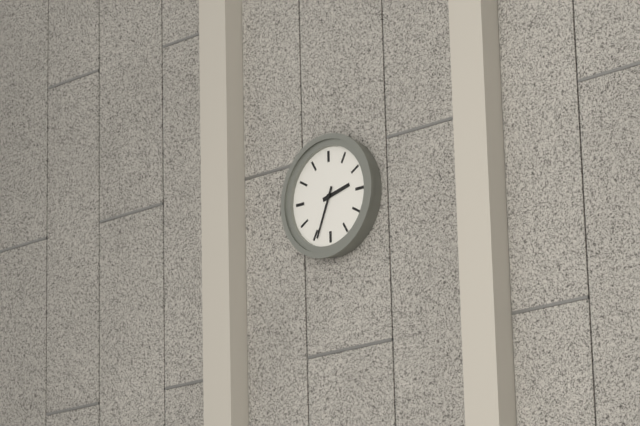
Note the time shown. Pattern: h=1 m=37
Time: h=2 m=34
